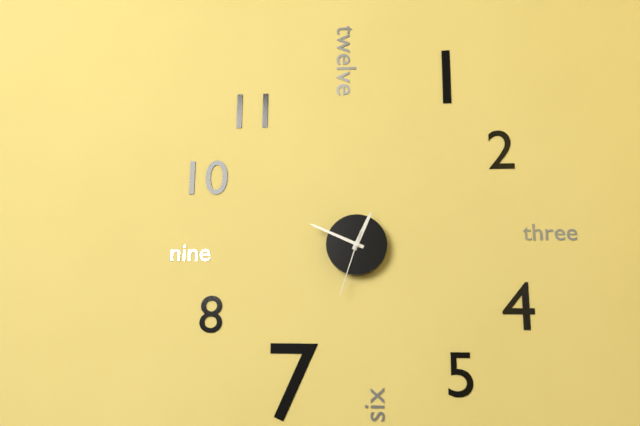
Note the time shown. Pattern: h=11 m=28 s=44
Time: h=12 m=49 s=33
